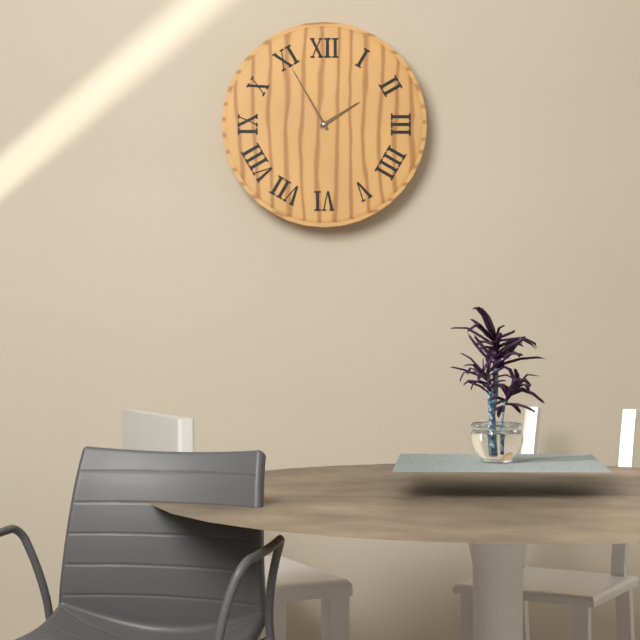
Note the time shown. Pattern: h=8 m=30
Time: h=1 m=55
